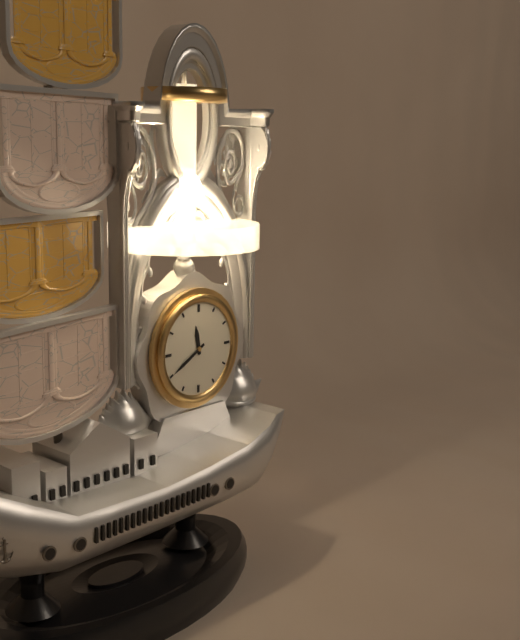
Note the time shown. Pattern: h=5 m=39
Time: h=11 m=40
